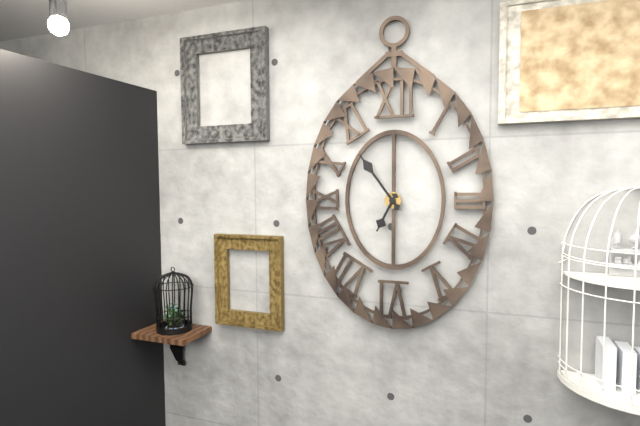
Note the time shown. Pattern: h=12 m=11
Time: h=6 m=54
